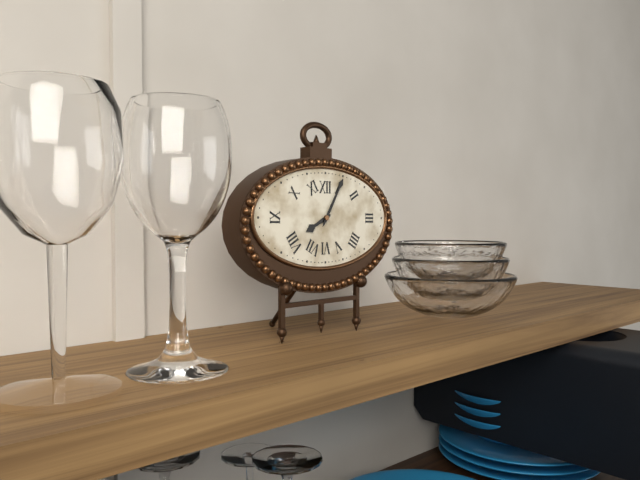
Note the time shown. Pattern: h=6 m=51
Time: h=8 m=5
